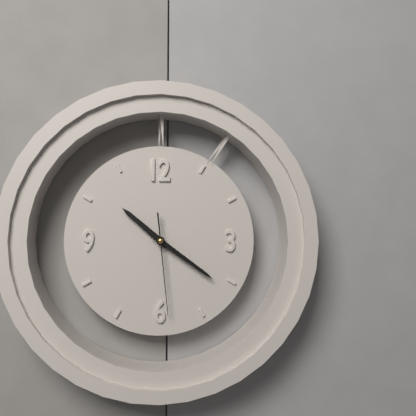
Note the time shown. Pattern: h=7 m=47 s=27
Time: h=10 m=21 s=29
